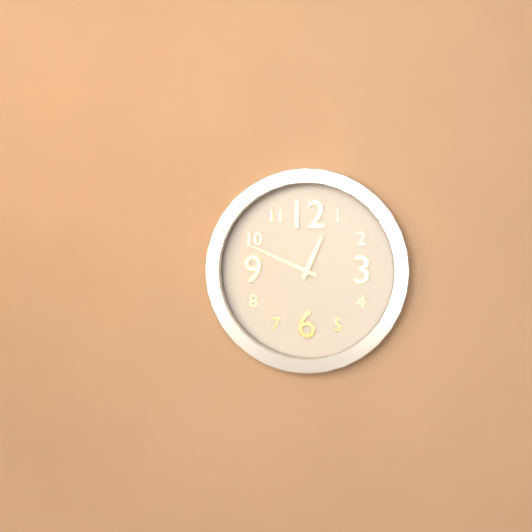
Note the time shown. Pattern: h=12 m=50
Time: h=12 m=49
